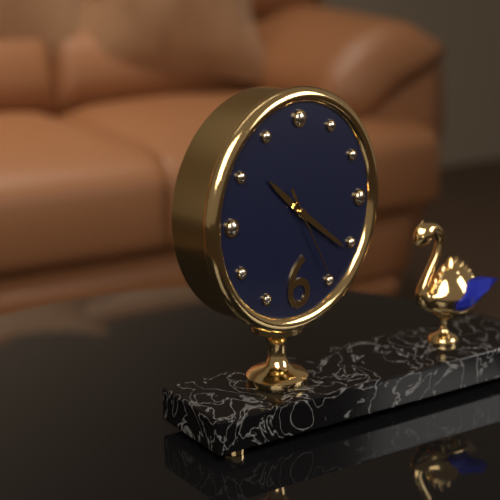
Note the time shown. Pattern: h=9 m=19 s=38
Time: h=10 m=21 s=25
